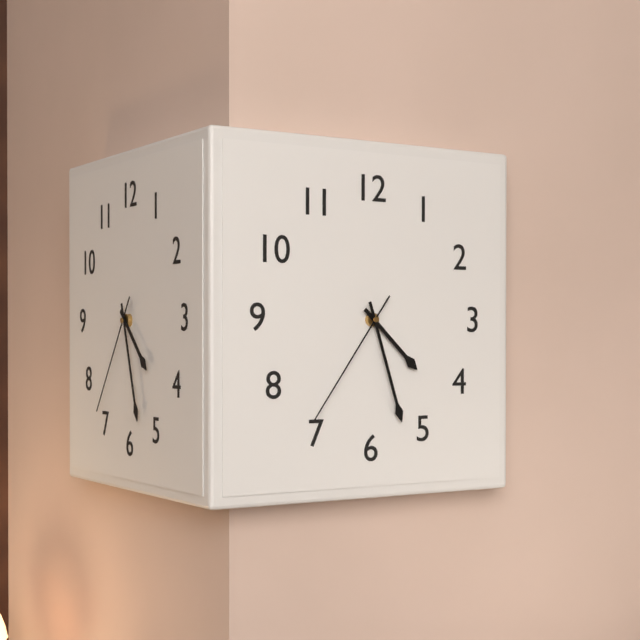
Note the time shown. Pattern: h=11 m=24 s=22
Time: h=4 m=27 s=36
